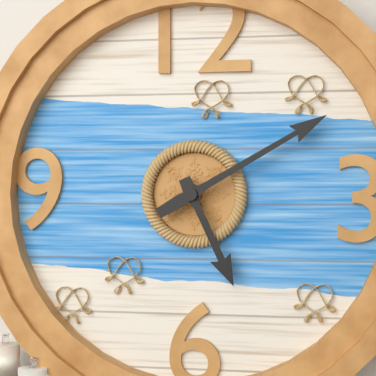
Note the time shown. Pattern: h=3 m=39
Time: h=5 m=10
